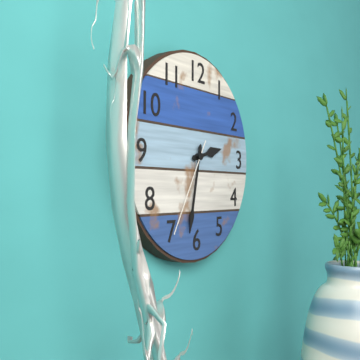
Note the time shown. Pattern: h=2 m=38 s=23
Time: h=2 m=32 s=35
